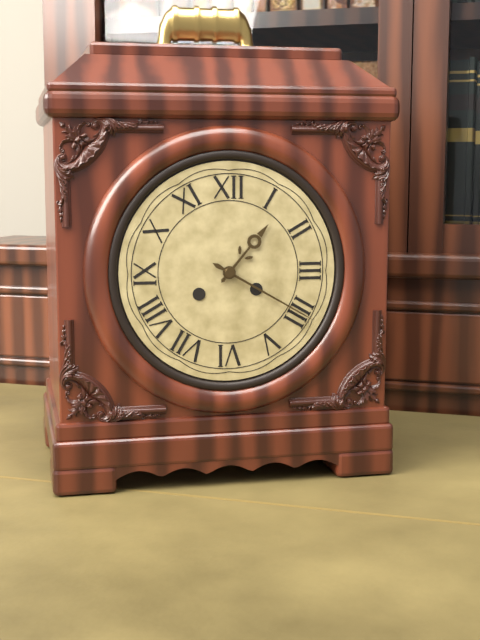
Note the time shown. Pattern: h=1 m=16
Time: h=1 m=20
